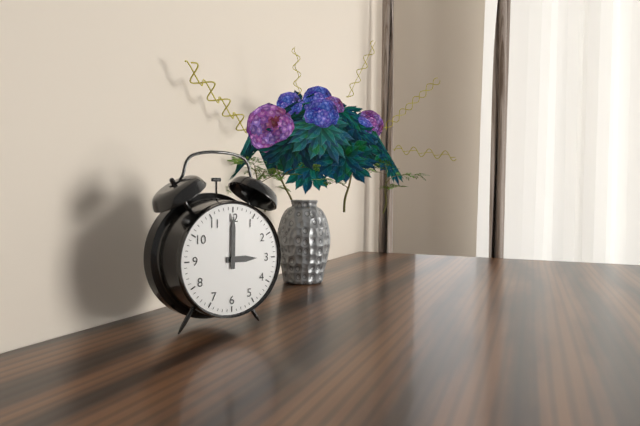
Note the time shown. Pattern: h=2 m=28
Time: h=3 m=0
